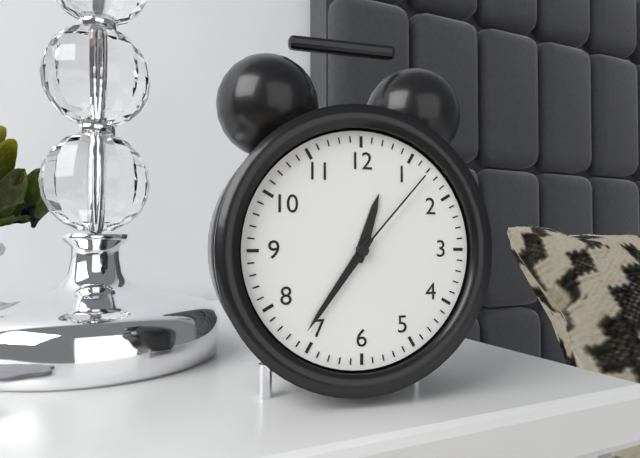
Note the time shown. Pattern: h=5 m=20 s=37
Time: h=12 m=36 s=7
